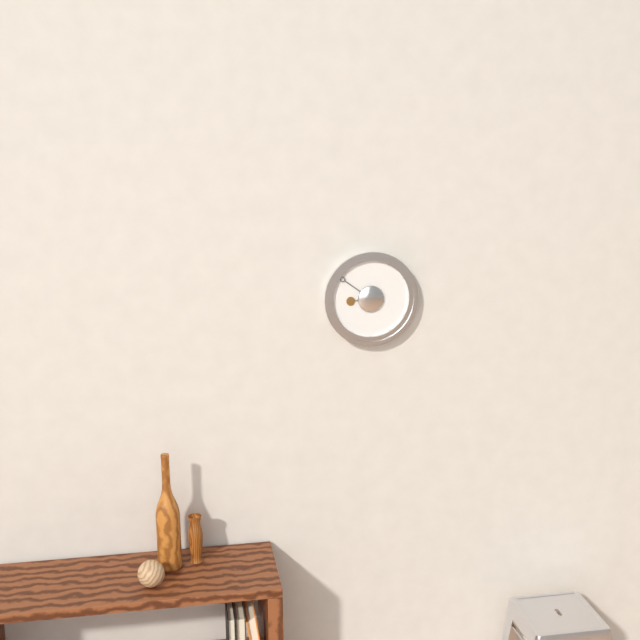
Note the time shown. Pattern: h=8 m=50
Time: h=8 m=51
